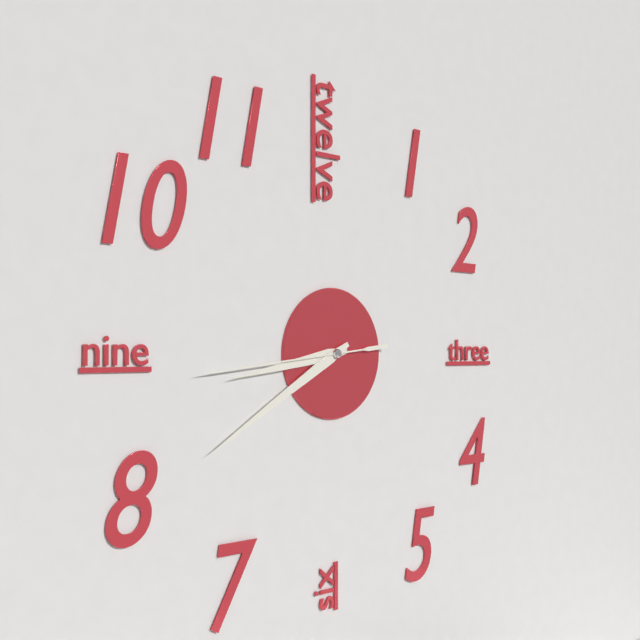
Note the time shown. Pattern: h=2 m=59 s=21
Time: h=8 m=40 s=44
